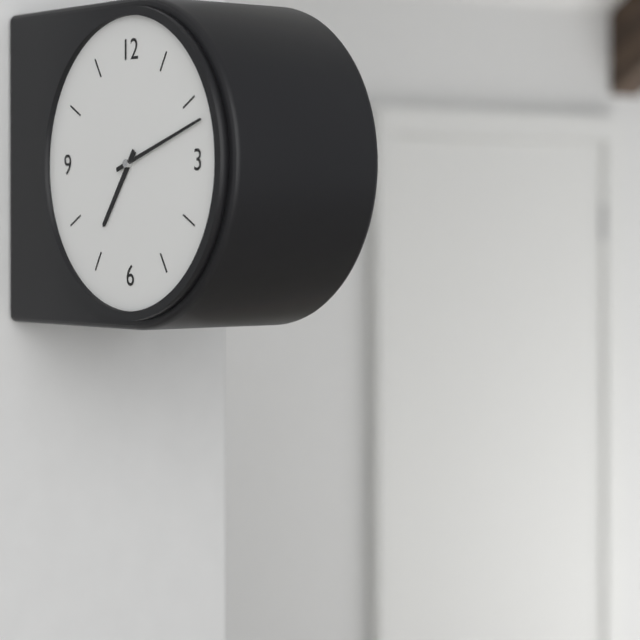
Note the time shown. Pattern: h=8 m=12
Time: h=7 m=12
